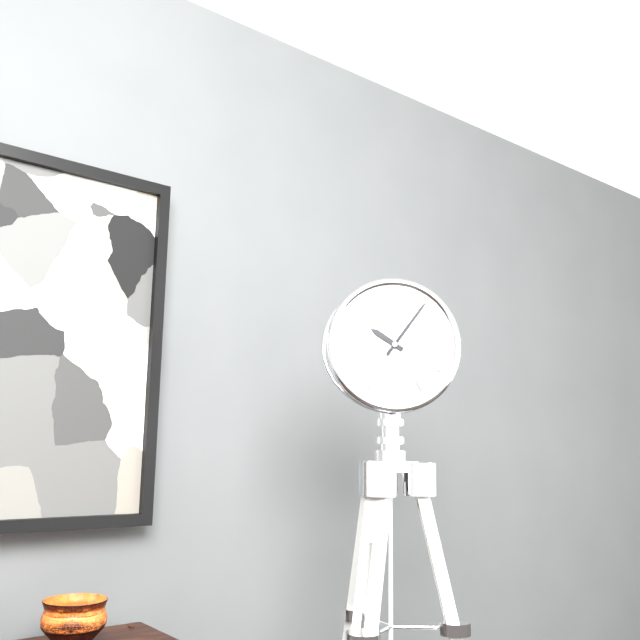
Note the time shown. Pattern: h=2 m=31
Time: h=10 m=6
